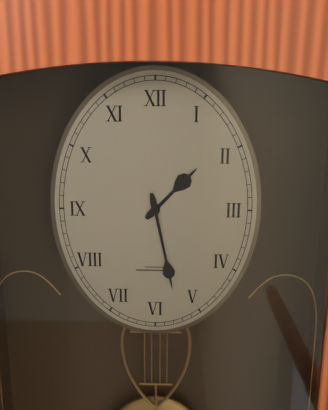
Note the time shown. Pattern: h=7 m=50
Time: h=1 m=28
